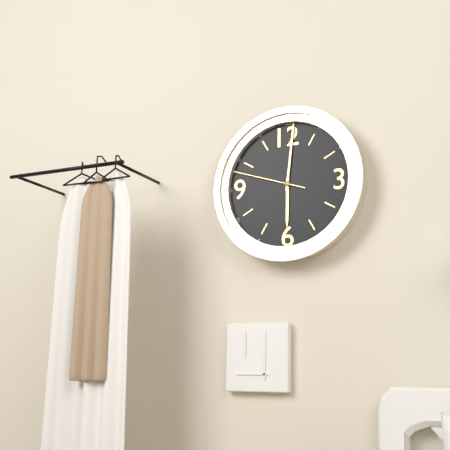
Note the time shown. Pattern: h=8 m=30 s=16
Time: h=6 m=1 s=48
